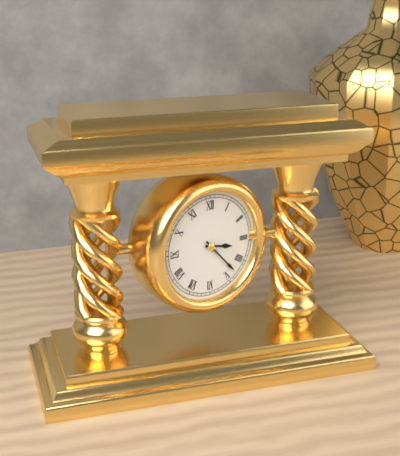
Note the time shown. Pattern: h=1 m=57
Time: h=3 m=23
